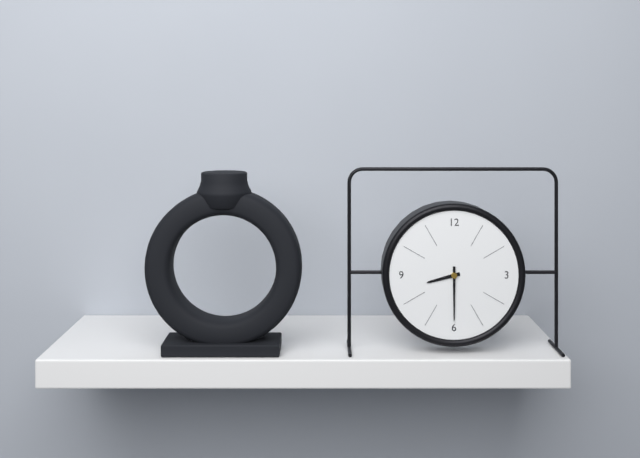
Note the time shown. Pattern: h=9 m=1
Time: h=8 m=30
